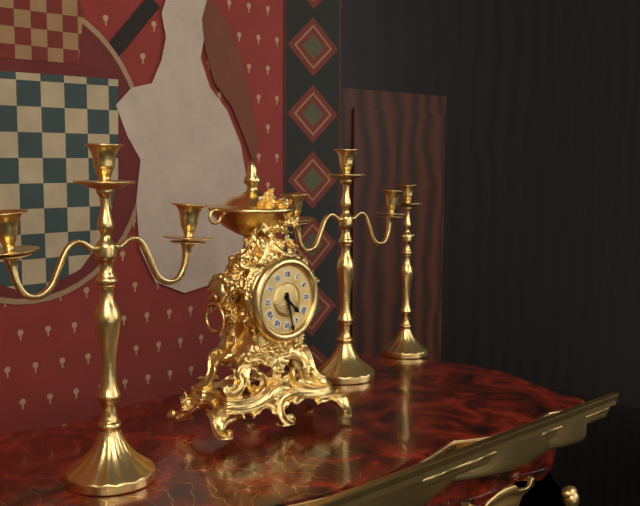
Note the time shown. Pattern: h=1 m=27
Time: h=4 m=28
